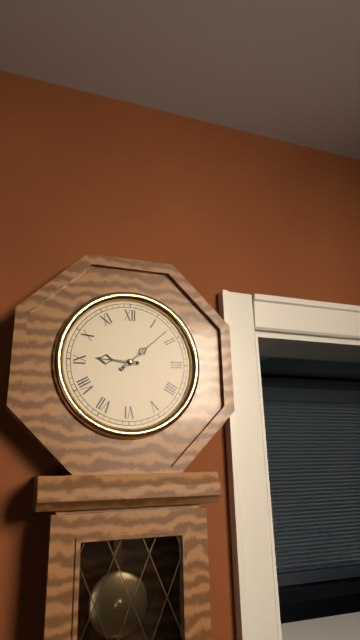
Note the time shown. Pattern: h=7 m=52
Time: h=9 m=8
